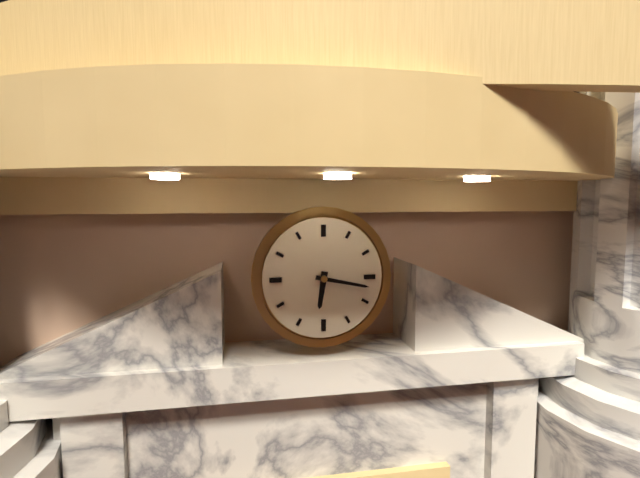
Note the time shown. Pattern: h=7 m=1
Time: h=6 m=17
